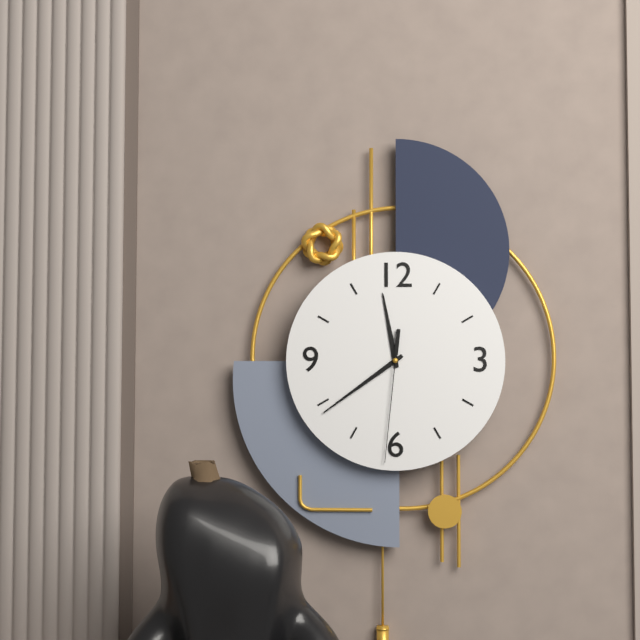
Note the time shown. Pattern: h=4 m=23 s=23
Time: h=11 m=39 s=31
